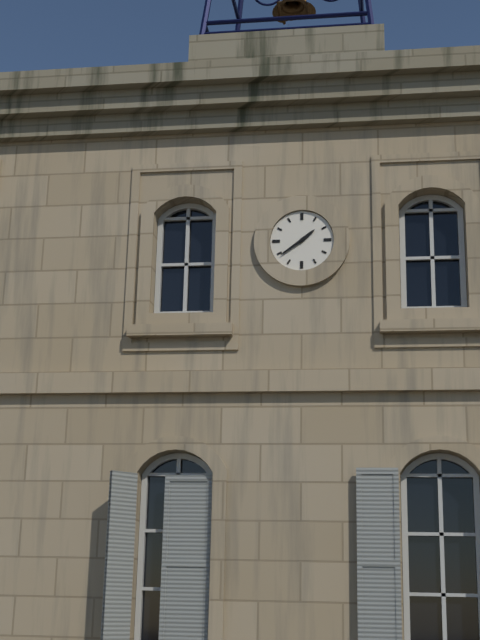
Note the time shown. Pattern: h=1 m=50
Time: h=1 m=39
